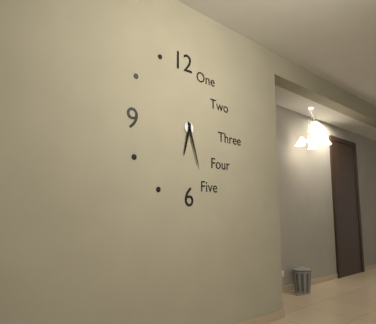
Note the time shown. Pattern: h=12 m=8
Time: h=6 m=27
